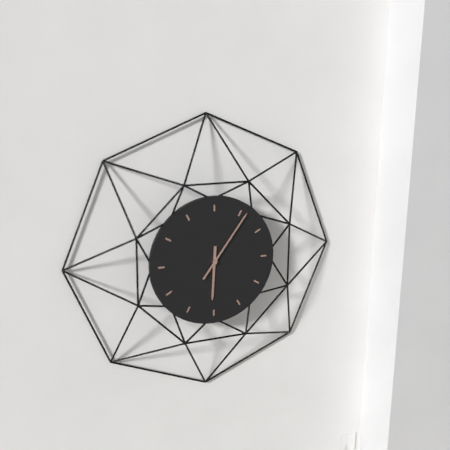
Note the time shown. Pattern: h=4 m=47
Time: h=6 m=6
